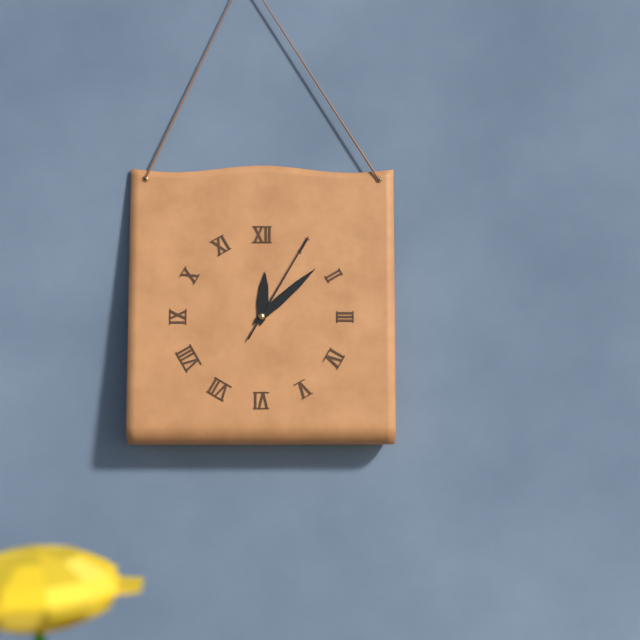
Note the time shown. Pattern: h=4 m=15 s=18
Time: h=12 m=8 s=5
